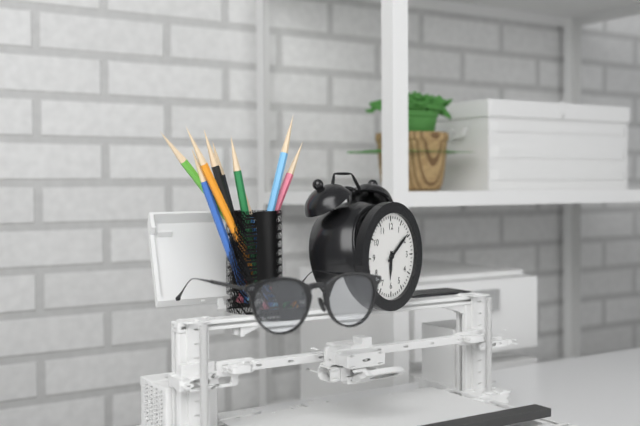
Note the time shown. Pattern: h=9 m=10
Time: h=6 m=9
